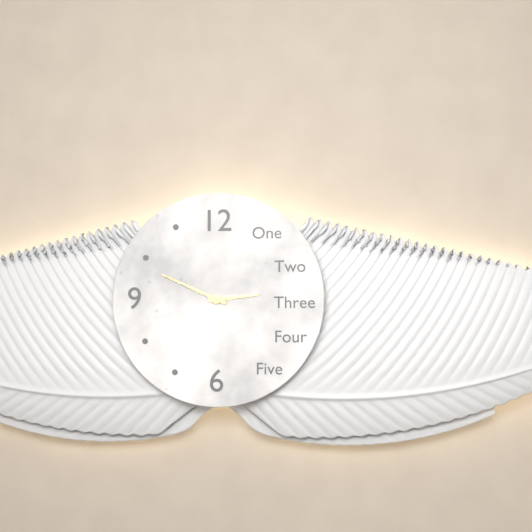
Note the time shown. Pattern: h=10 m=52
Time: h=2 m=49
